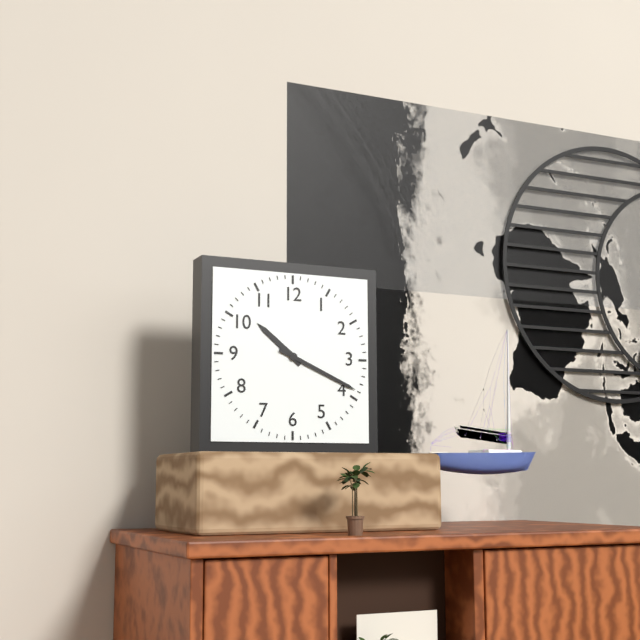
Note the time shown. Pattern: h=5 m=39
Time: h=10 m=19
